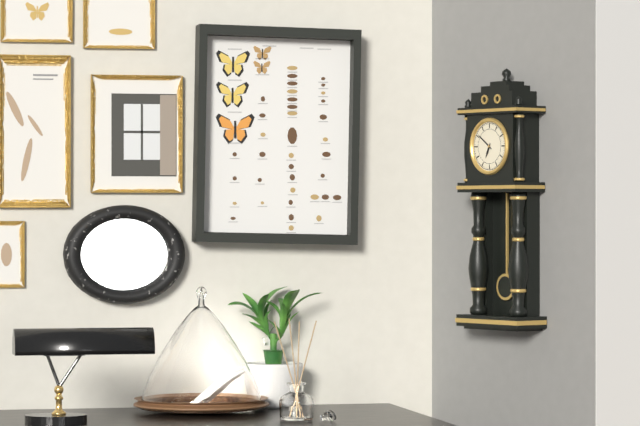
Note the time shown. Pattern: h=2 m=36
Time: h=6 m=51
